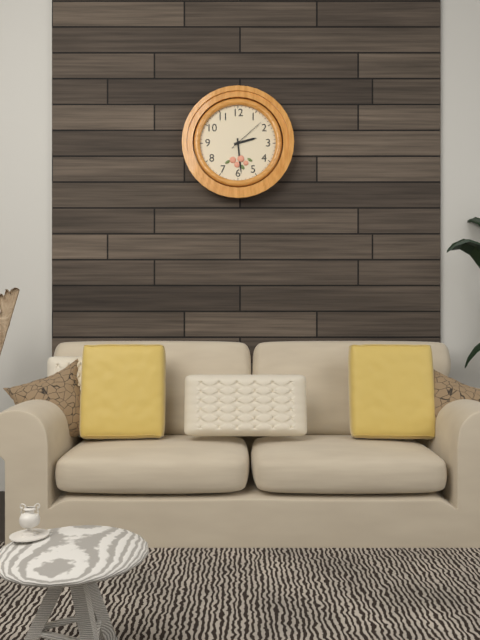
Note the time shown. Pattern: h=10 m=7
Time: h=2 m=29
